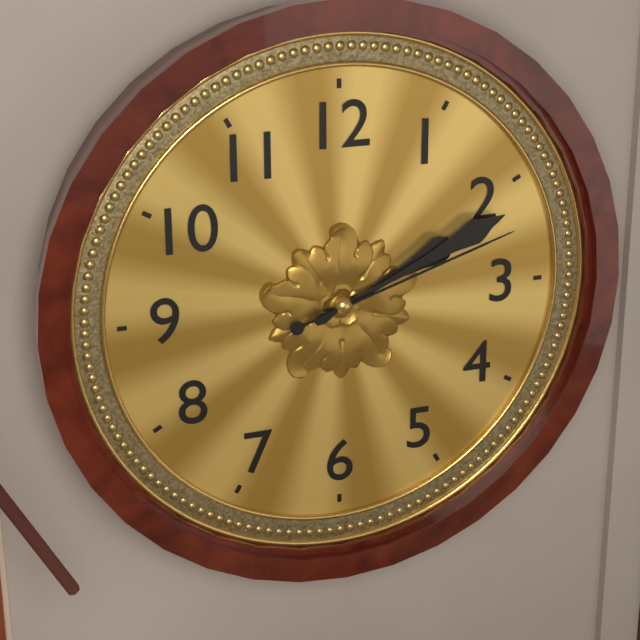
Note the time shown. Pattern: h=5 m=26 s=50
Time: h=2 m=11 s=12
